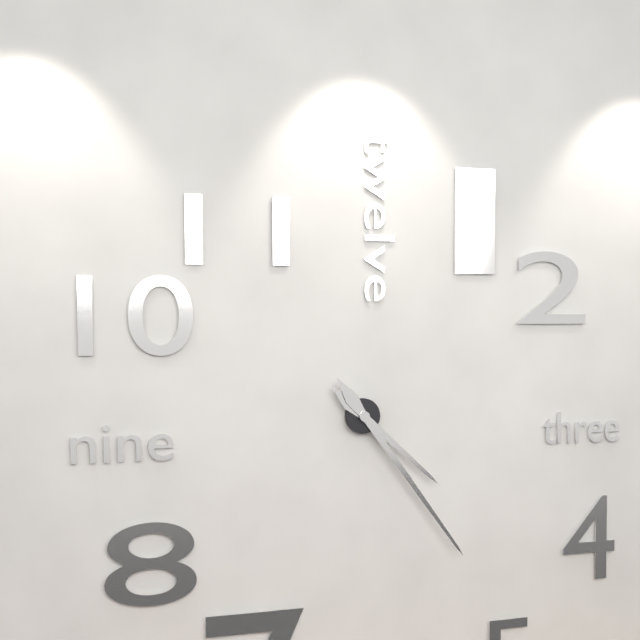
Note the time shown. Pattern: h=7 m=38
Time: h=4 m=24
